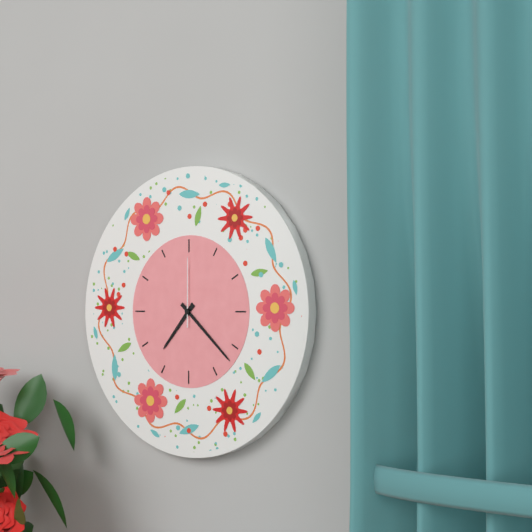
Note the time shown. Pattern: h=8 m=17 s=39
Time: h=7 m=22 s=0
